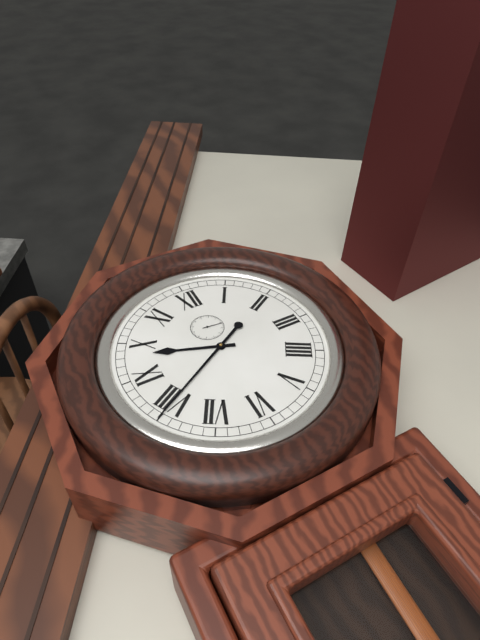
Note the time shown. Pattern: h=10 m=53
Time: h=9 m=40
